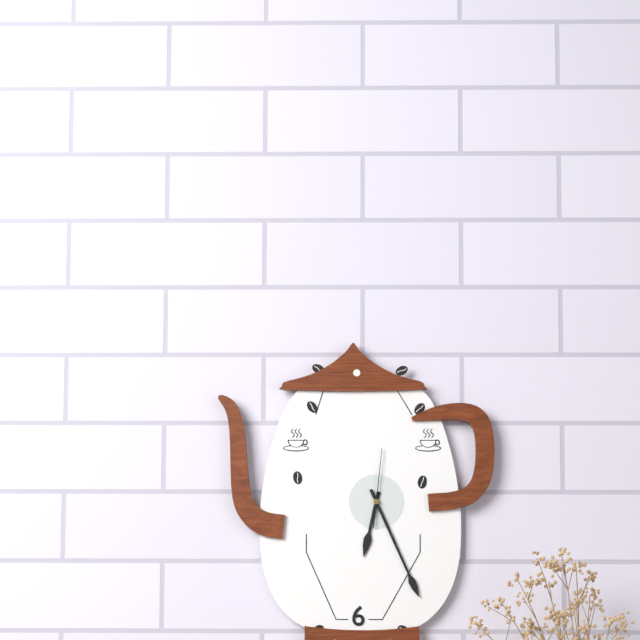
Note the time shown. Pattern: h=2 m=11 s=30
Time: h=6 m=26 s=1
